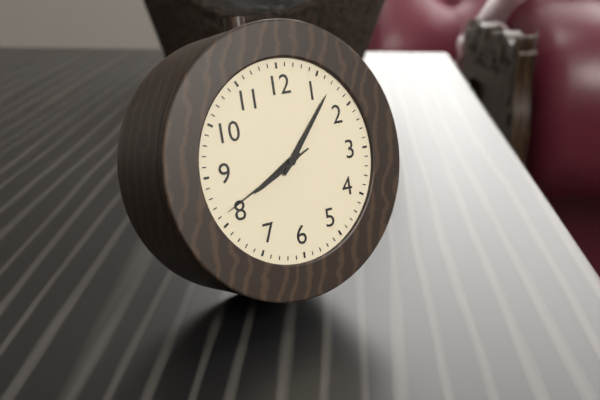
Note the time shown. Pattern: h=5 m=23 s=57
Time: h=8 m=7 s=41
